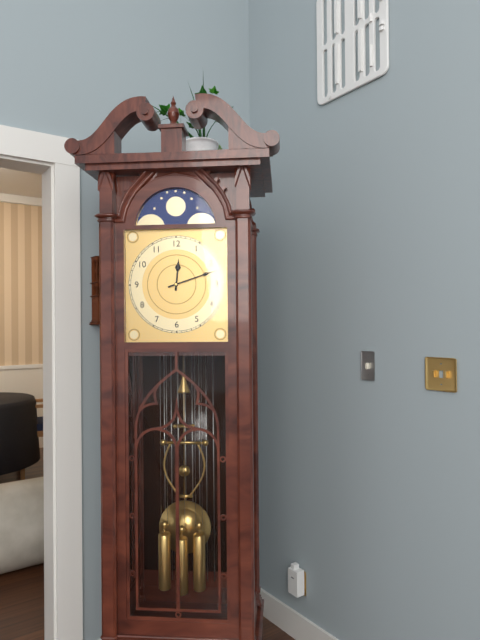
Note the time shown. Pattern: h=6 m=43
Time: h=12 m=12
